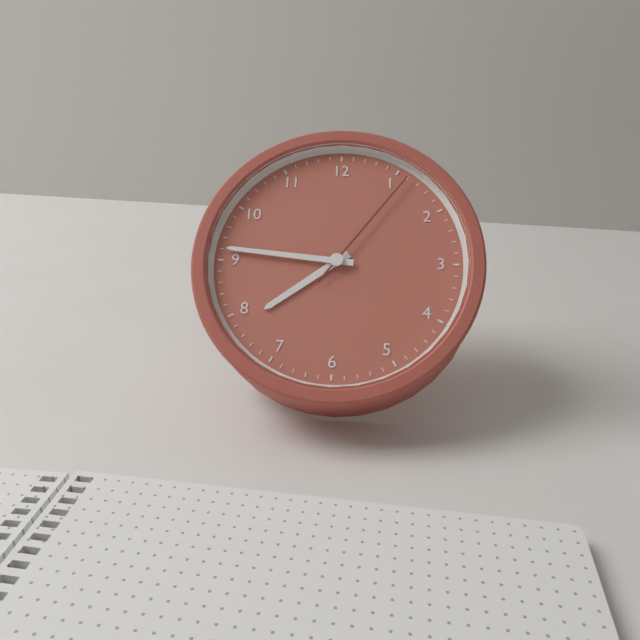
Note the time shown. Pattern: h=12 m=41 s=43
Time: h=7 m=46 s=6
